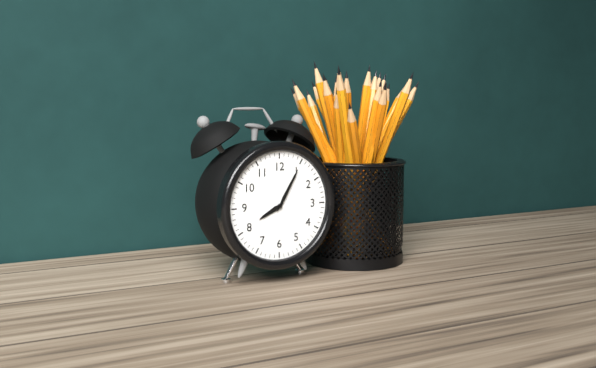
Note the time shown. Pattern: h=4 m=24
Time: h=8 m=5
